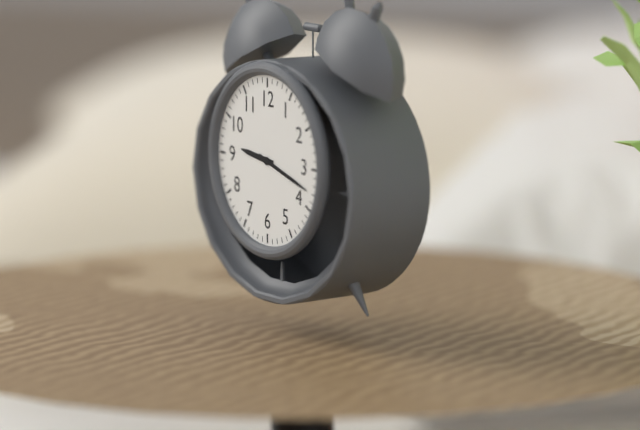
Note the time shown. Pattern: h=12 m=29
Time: h=9 m=18
